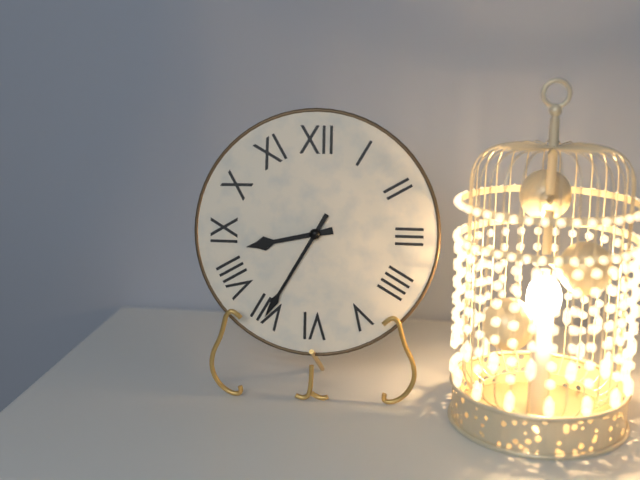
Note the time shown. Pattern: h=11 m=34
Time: h=8 m=35
